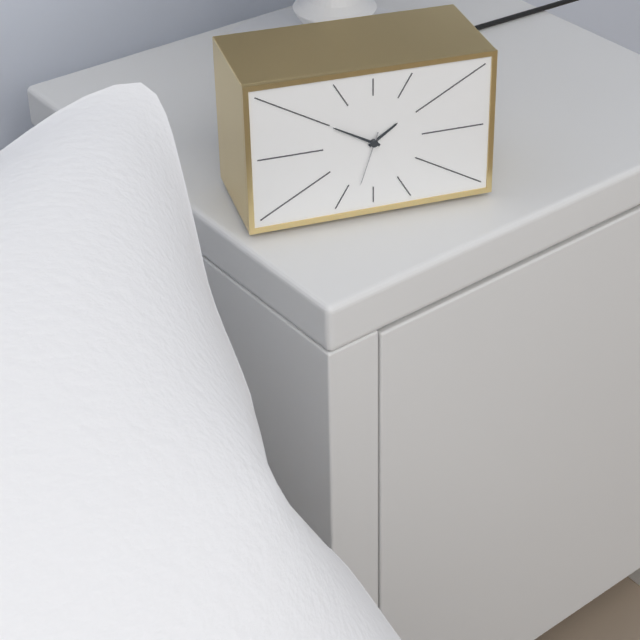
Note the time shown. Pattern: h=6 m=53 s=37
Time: h=1 m=50 s=33
